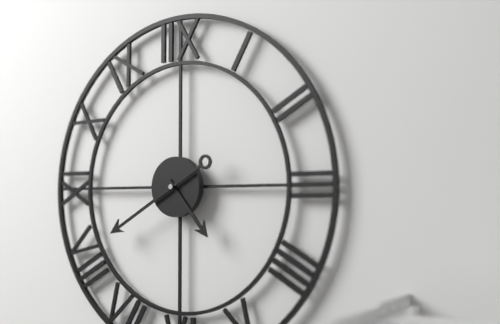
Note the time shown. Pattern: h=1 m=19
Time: h=4 m=40
